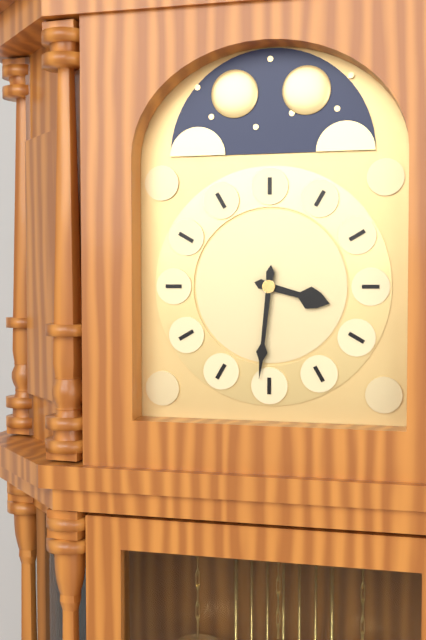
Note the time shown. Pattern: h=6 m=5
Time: h=3 m=31
